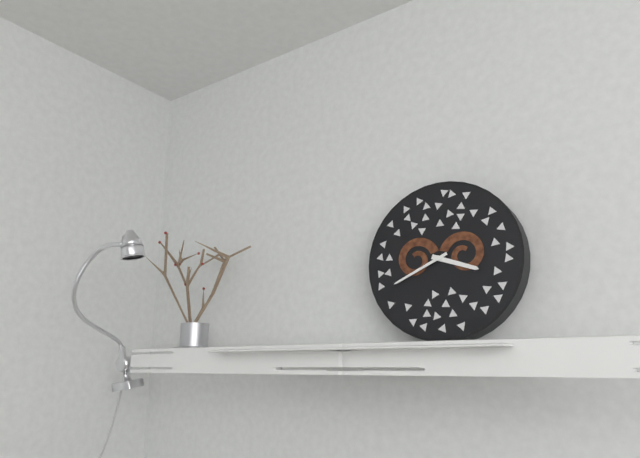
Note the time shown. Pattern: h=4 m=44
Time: h=3 m=41
